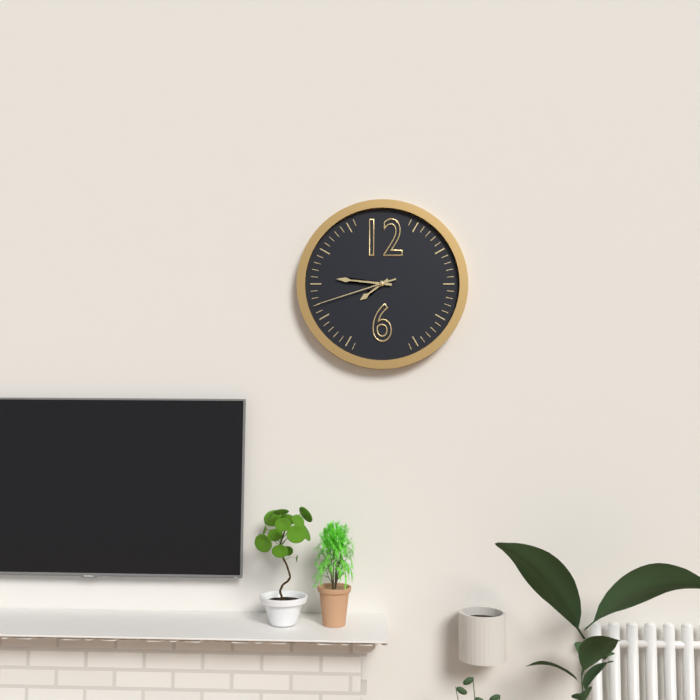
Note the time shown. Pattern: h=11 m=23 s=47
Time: h=7 m=46 s=42
